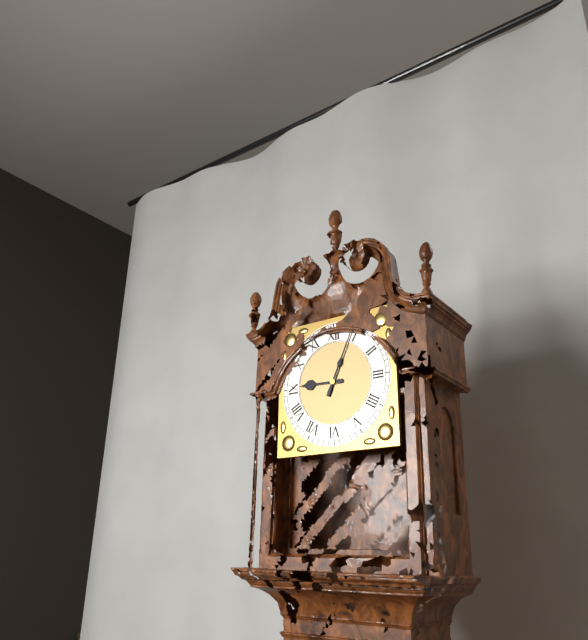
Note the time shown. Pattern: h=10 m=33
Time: h=9 m=4
